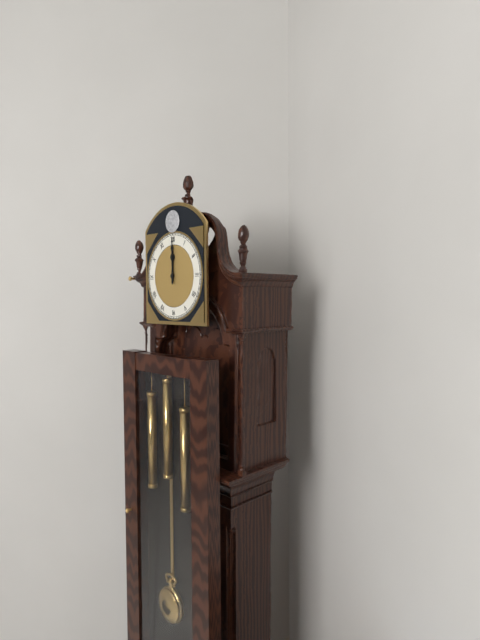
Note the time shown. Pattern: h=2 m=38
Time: h=12 m=0
